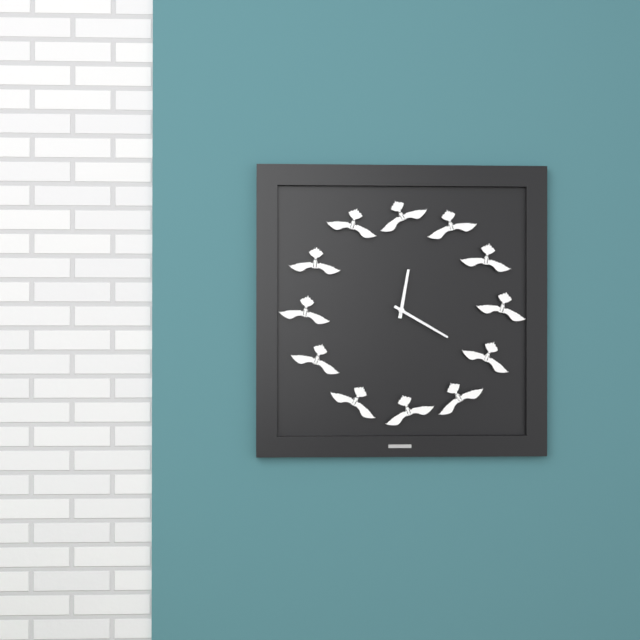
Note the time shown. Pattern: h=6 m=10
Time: h=12 m=20
